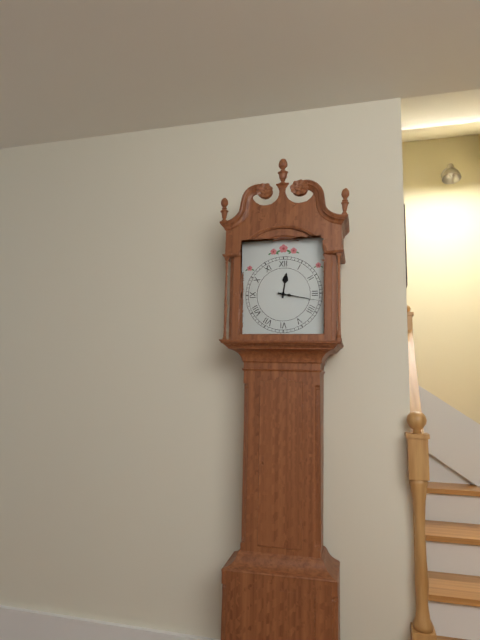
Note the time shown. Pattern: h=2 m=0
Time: h=12 m=17
